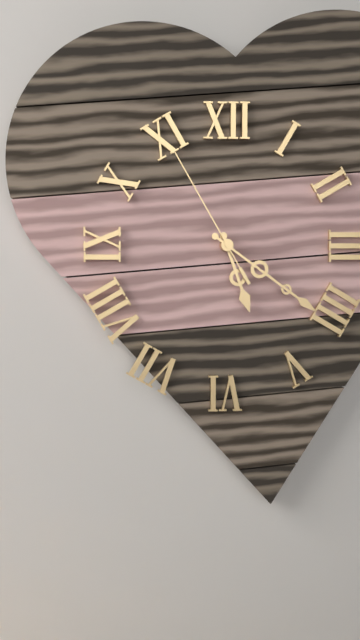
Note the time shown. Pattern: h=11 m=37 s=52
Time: h=5 m=21 s=55
